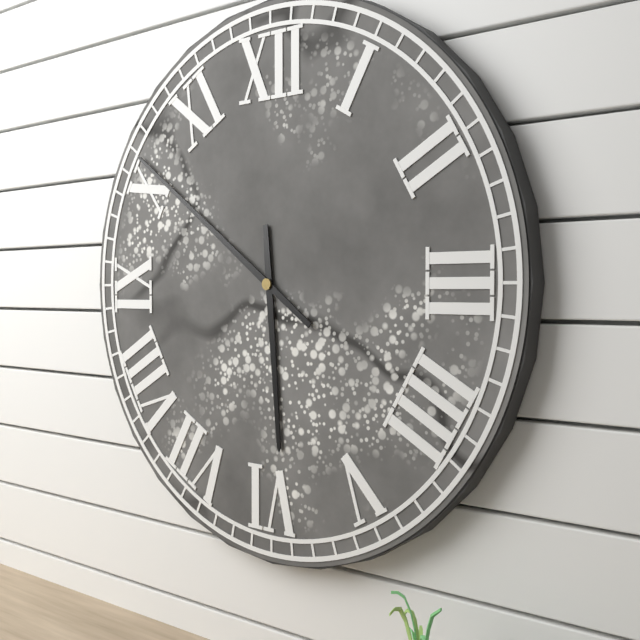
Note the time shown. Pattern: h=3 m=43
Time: h=5 m=51
